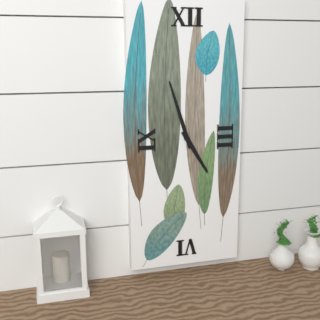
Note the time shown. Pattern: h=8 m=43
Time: h=4 m=57
